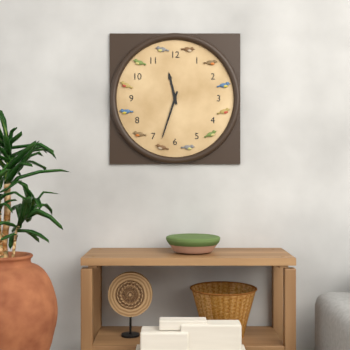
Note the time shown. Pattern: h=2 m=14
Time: h=11 m=33
